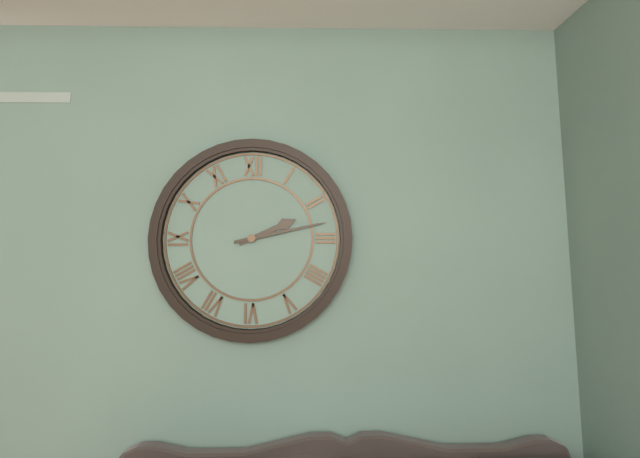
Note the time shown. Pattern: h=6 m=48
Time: h=2 m=13
